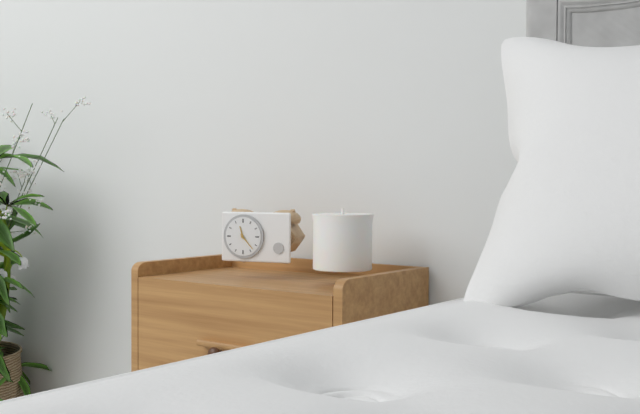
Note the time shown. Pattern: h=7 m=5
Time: h=11 m=23
